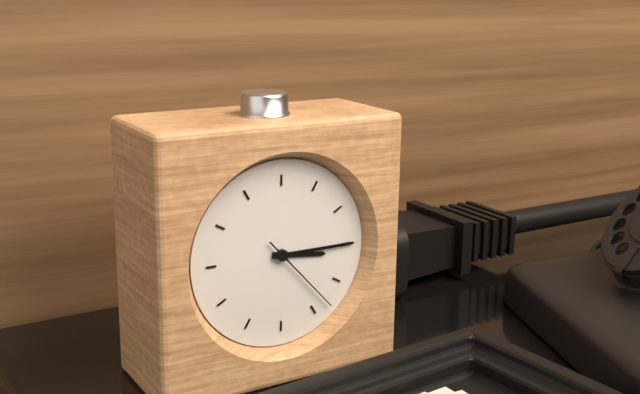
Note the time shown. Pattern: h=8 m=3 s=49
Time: h=3 m=15 s=23
